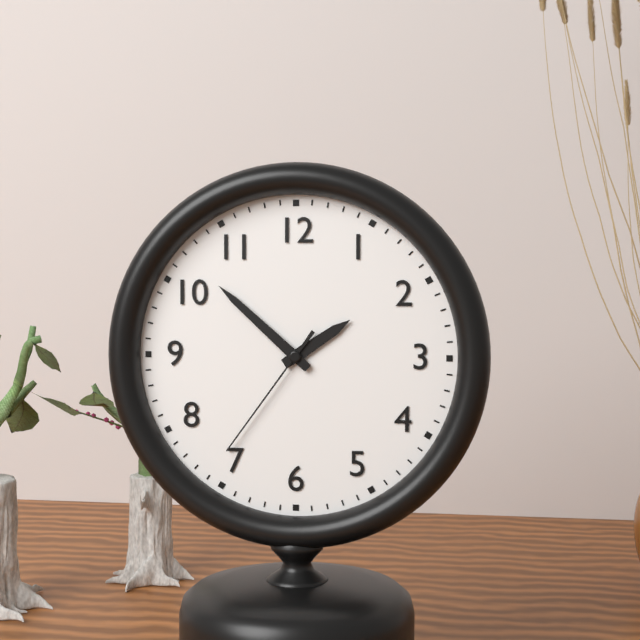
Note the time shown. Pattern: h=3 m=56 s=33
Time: h=1 m=52 s=36
